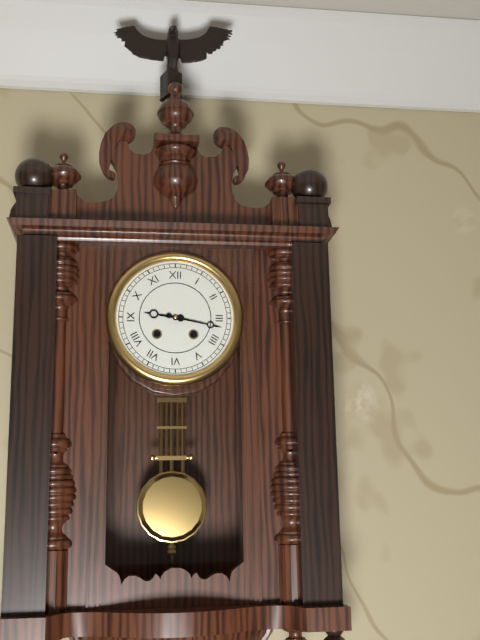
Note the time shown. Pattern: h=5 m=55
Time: h=9 m=17
